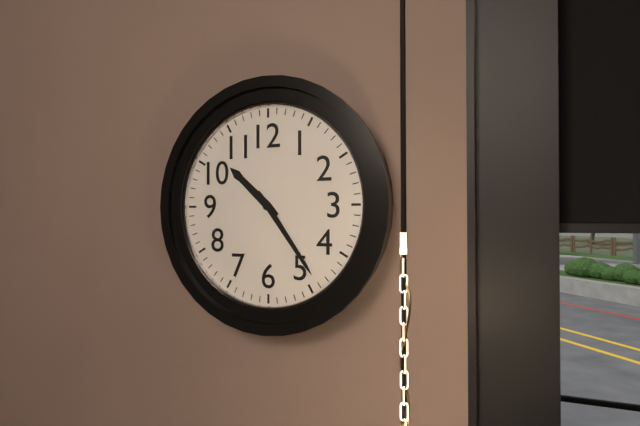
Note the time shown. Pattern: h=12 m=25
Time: h=10 m=24
